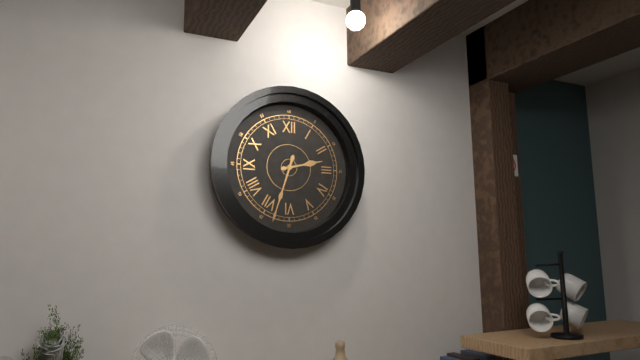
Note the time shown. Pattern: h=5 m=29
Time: h=2 m=33
